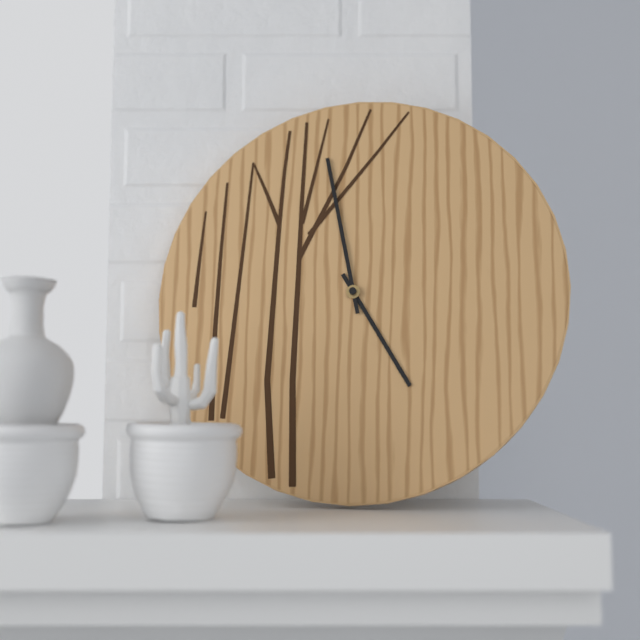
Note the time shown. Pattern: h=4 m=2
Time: h=4 m=58
